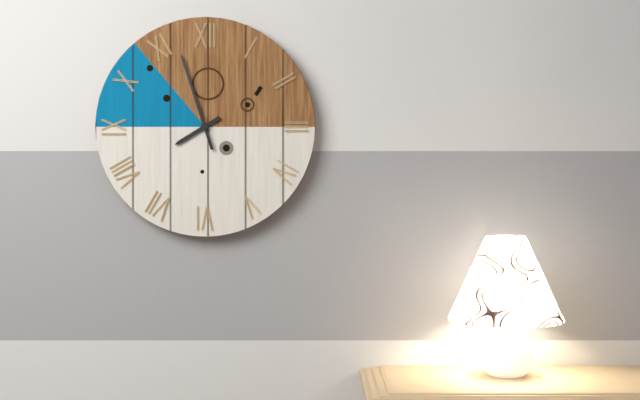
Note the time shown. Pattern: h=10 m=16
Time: h=7 m=57
